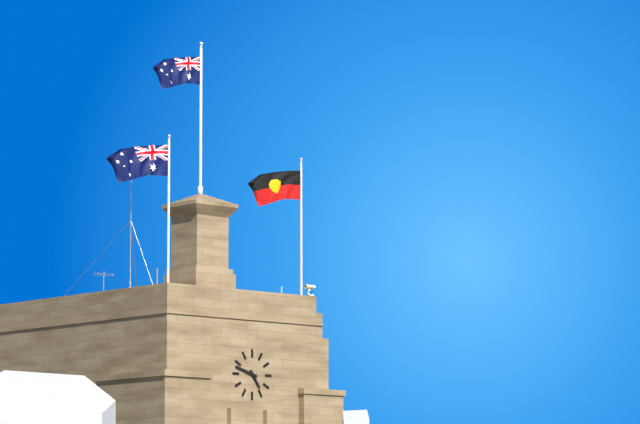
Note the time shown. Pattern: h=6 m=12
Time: h=4 m=48
